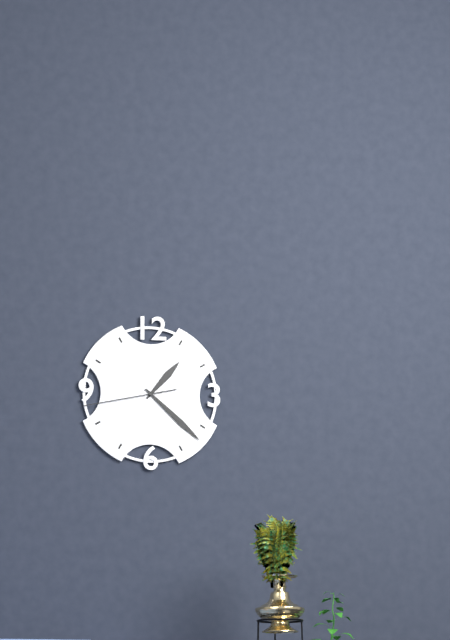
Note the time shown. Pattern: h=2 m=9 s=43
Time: h=1 m=22 s=43
